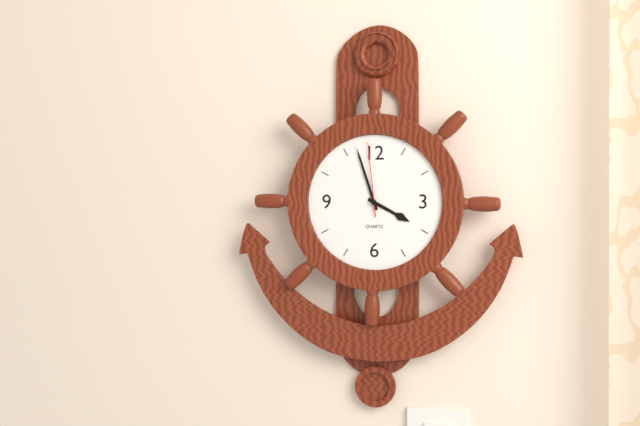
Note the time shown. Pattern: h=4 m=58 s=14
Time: h=3 m=57 s=59
